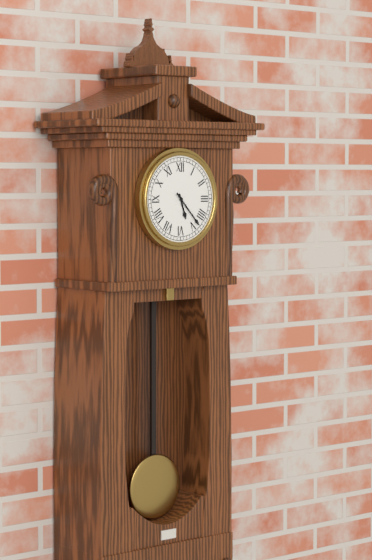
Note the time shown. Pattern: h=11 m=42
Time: h=5 m=23
